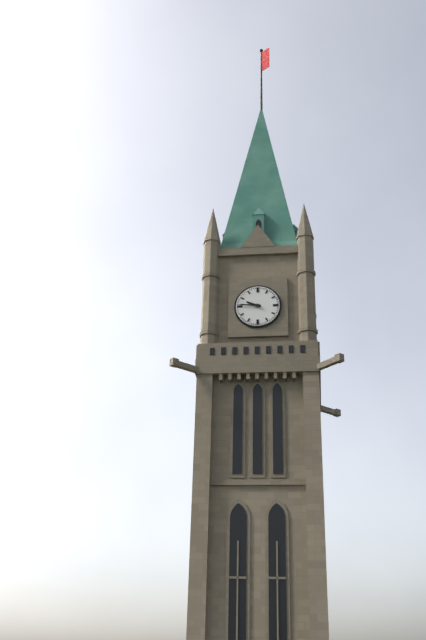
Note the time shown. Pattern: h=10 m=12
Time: h=9 m=46
